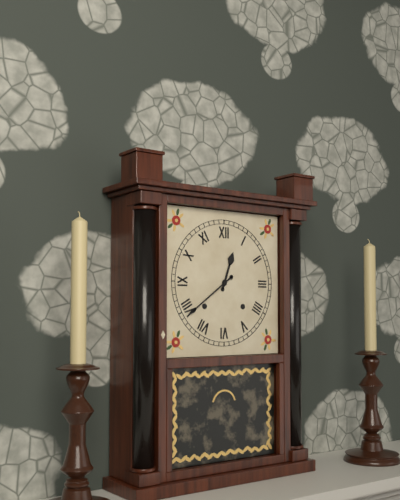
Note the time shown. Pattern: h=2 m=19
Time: h=12 m=39
